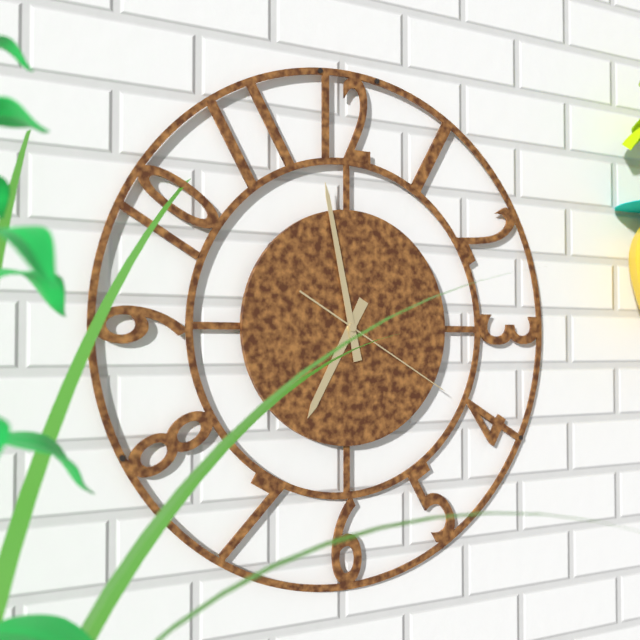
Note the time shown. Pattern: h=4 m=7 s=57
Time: h=6 m=58 s=20
